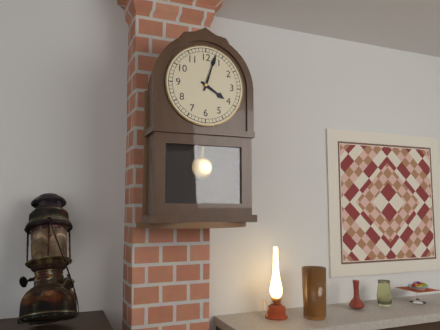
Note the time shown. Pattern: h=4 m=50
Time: h=4 m=3
